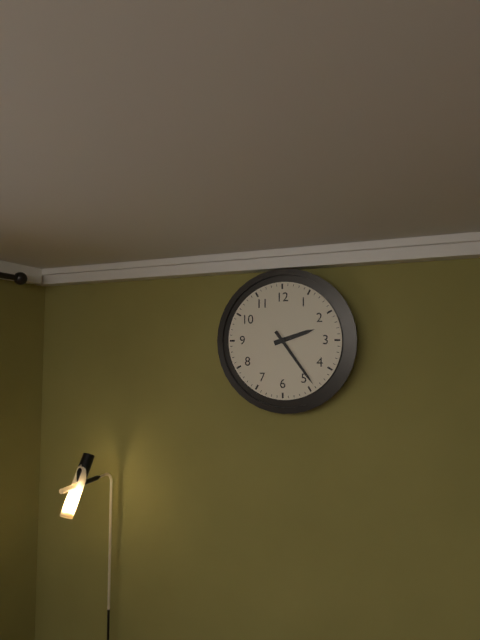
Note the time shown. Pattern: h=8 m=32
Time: h=2 m=24
